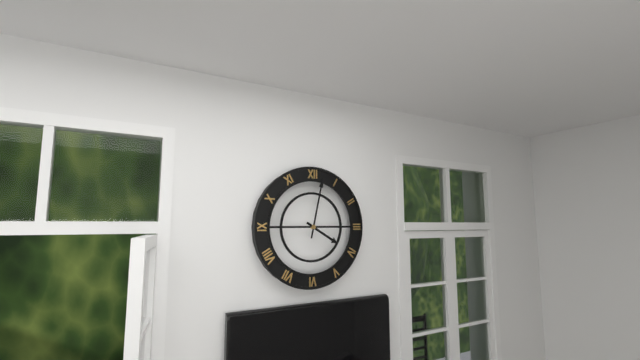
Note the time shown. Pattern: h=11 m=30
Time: h=4 m=2
